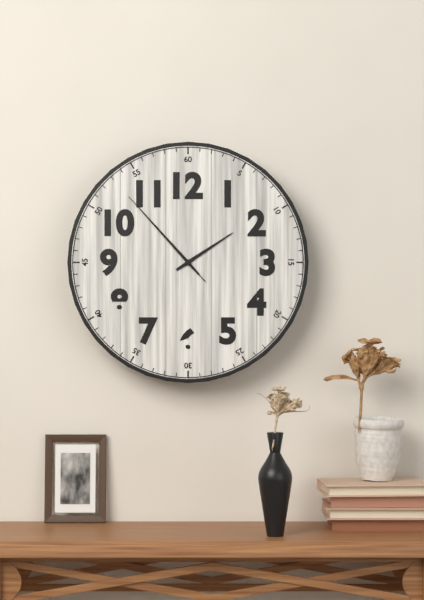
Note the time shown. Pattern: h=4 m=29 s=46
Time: h=1 m=53 s=53
